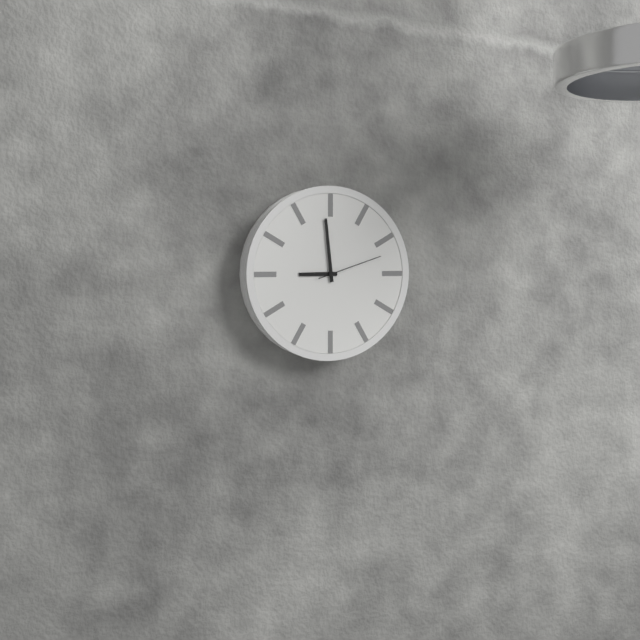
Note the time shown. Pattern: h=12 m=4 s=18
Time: h=8 m=59 s=12
